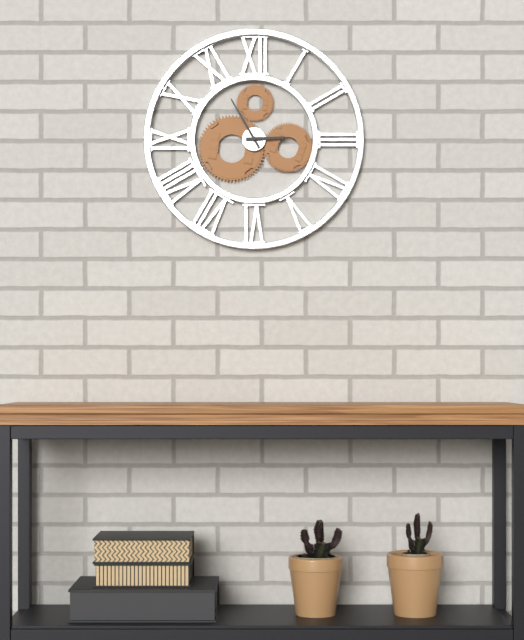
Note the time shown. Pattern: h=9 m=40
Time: h=2 m=55
